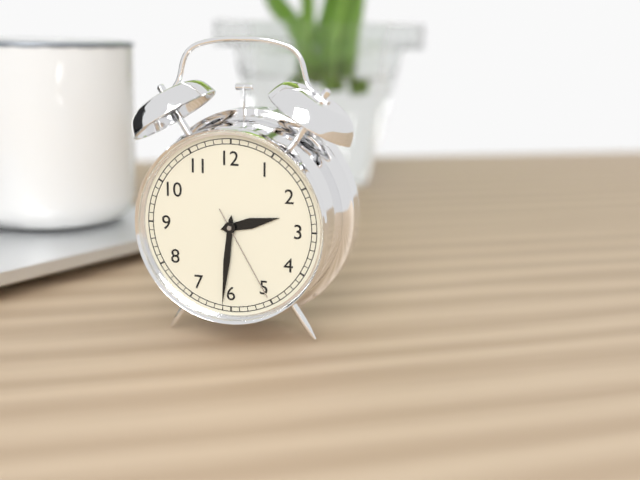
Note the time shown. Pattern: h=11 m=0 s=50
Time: h=2 m=31 s=25
